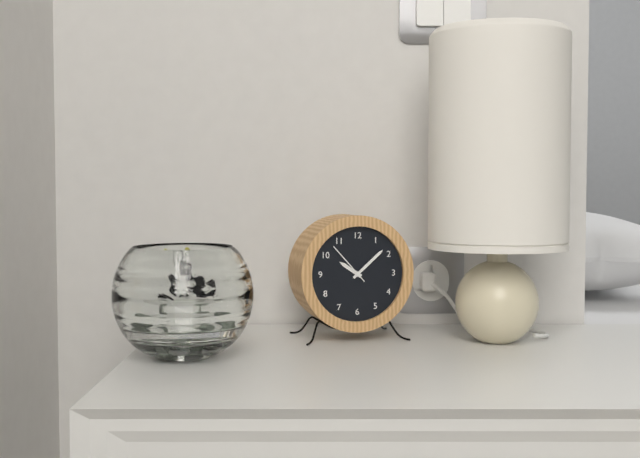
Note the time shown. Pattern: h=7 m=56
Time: h=10 m=8
